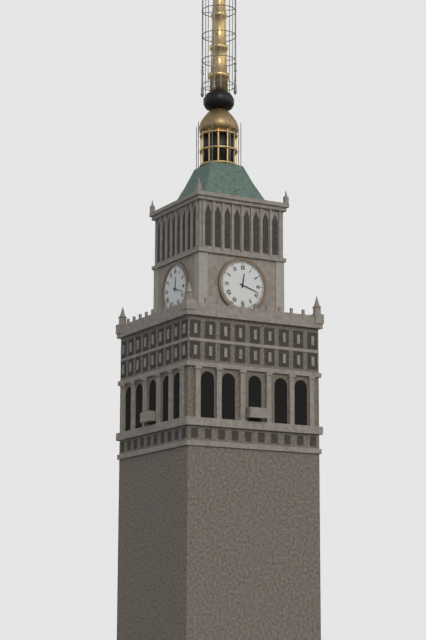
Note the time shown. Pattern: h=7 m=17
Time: h=12 m=18
